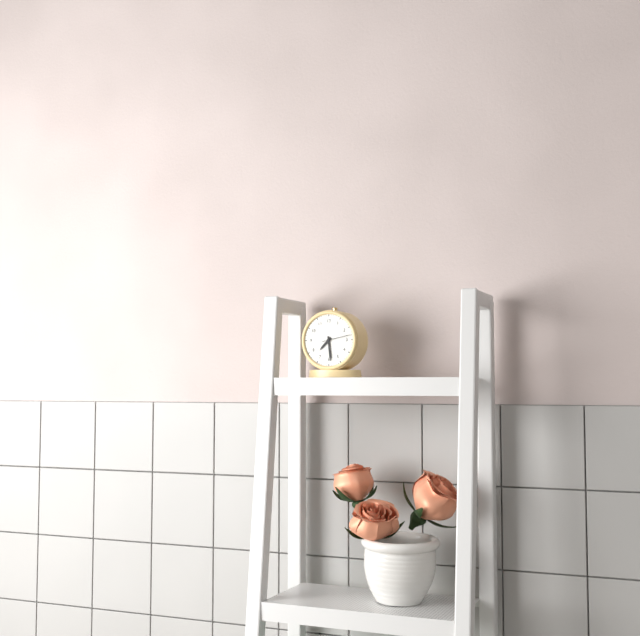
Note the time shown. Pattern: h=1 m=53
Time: h=7 m=29
